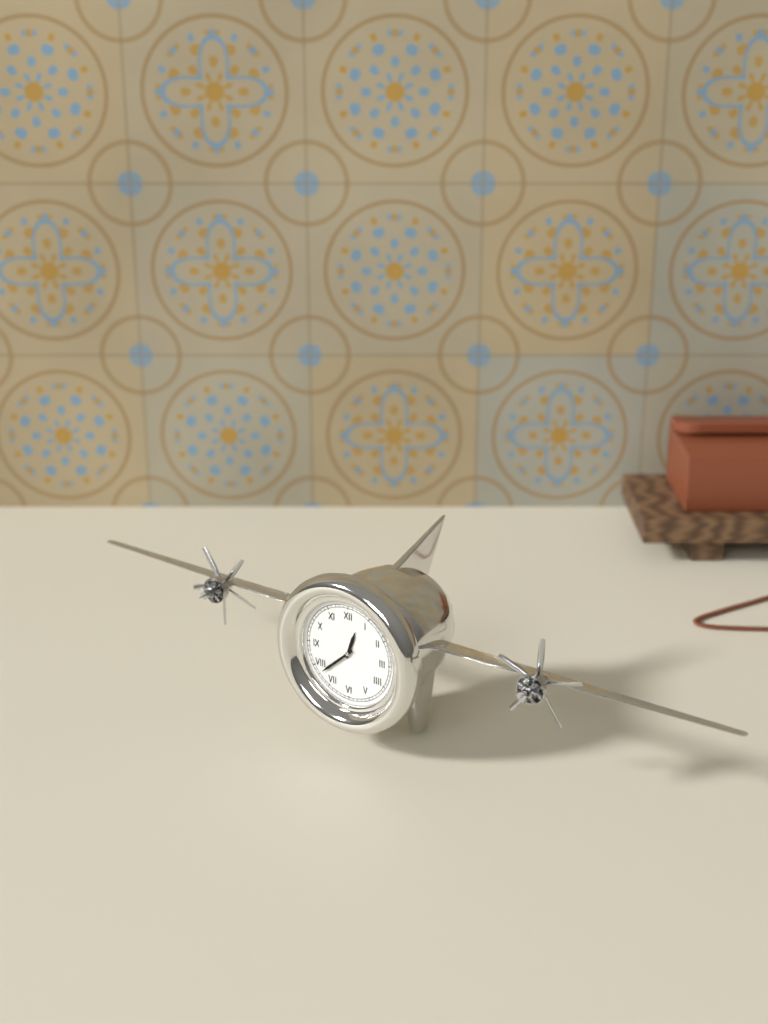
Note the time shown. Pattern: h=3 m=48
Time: h=12 m=38
